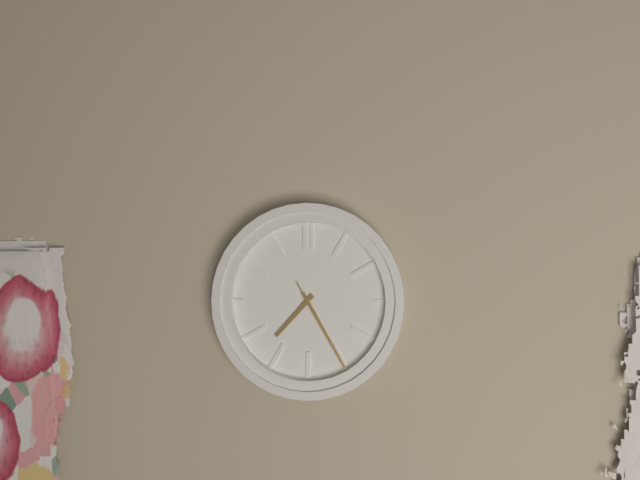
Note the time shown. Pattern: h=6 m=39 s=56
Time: h=7 m=25 s=25
